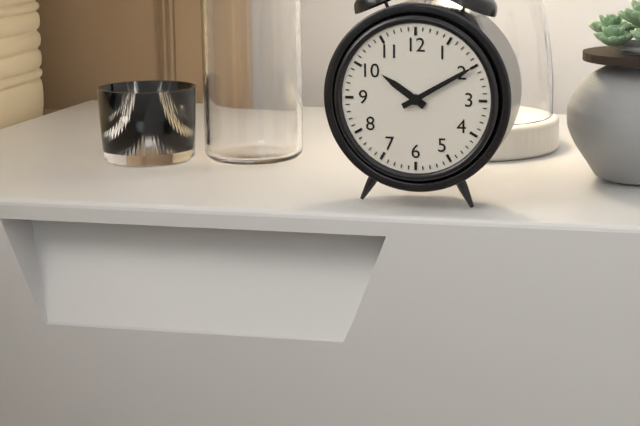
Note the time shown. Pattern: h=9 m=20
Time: h=10 m=10
